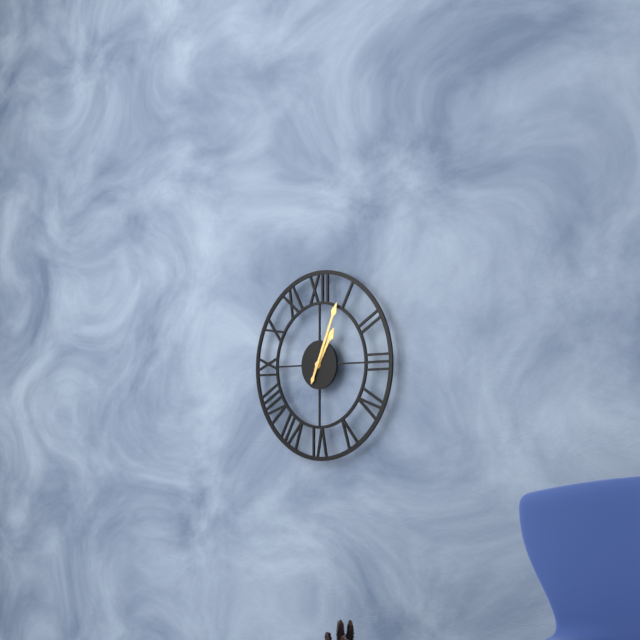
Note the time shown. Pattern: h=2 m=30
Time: h=1 m=4
